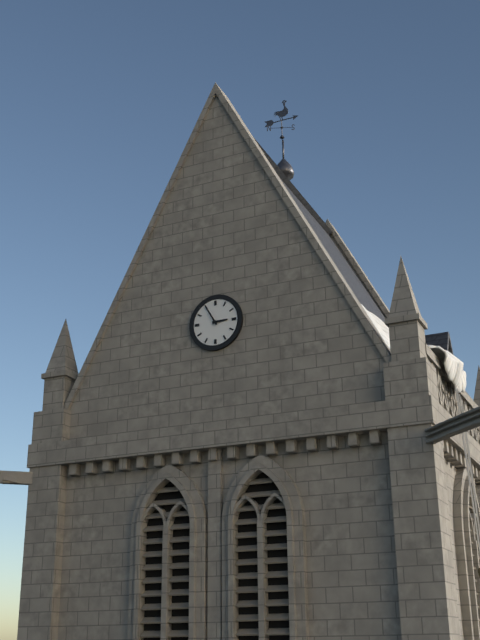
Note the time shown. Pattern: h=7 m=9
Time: h=2 m=55
